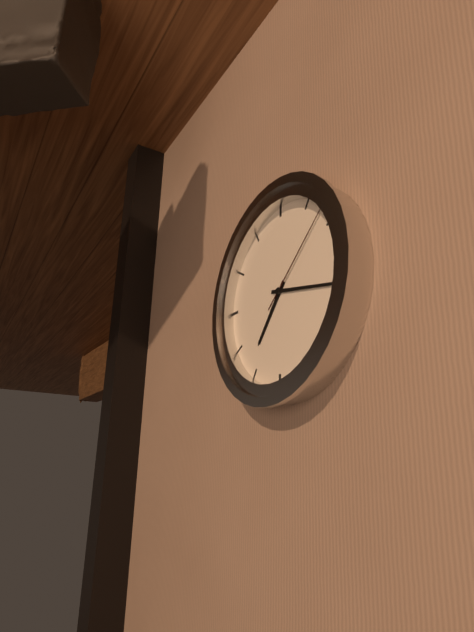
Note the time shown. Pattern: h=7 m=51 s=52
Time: h=7 m=17 s=8
